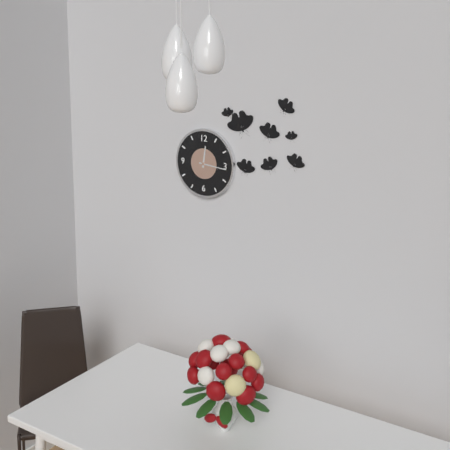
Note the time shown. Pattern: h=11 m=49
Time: h=12 m=16
